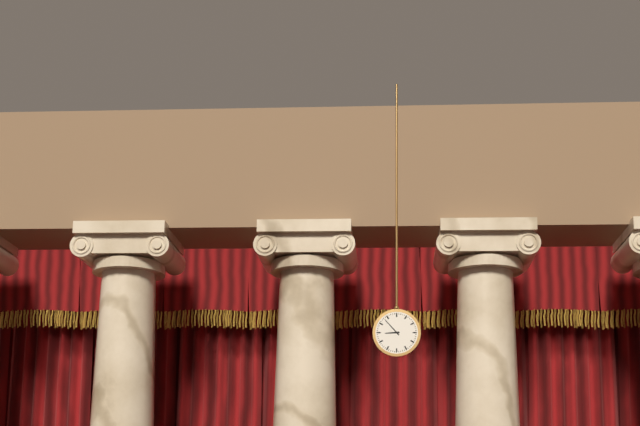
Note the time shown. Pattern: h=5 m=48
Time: h=8 m=53
